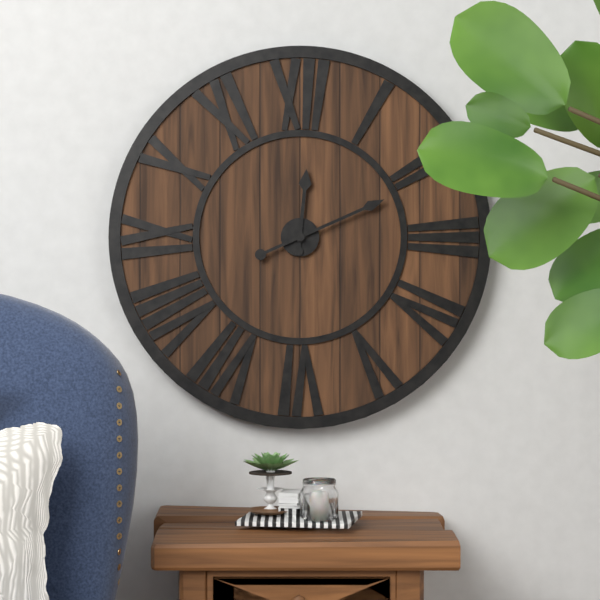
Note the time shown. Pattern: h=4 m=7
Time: h=12 m=11
